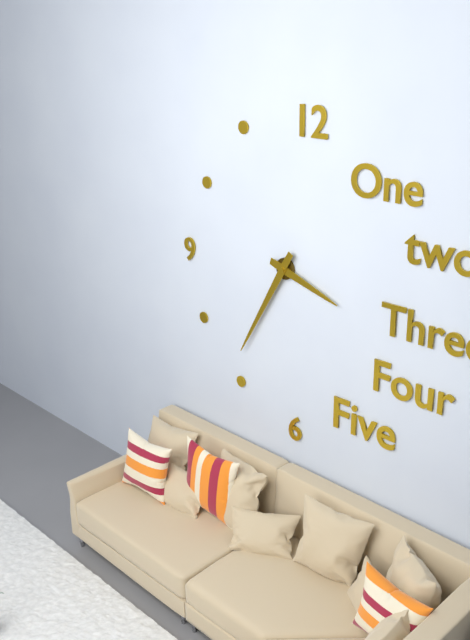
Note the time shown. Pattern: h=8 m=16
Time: h=3 m=35
